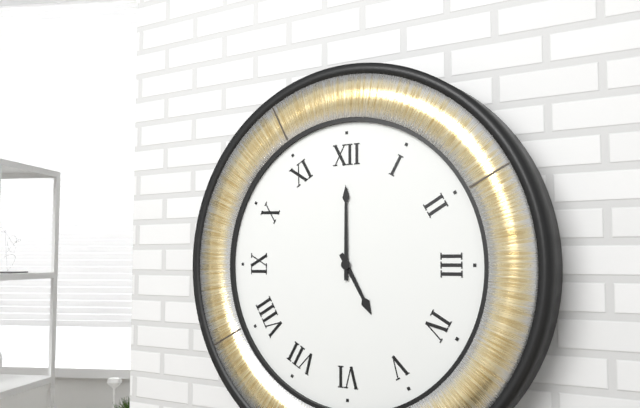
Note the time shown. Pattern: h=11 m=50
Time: h=5 m=0
